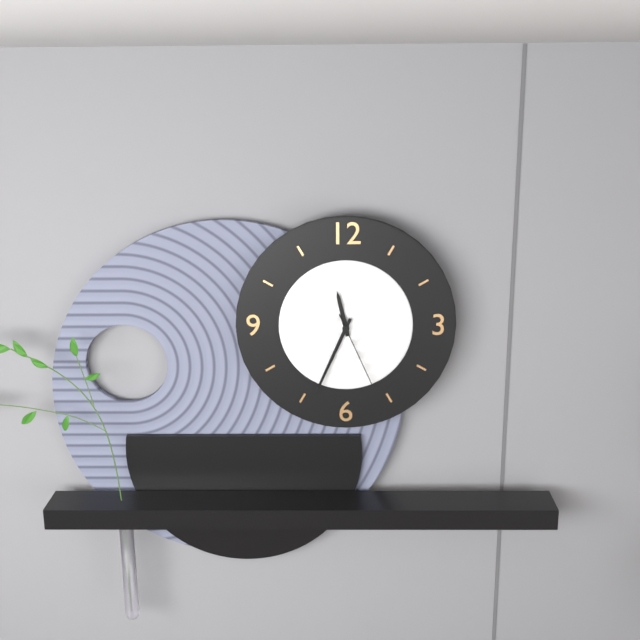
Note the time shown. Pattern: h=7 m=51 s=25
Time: h=11 m=34 s=26
